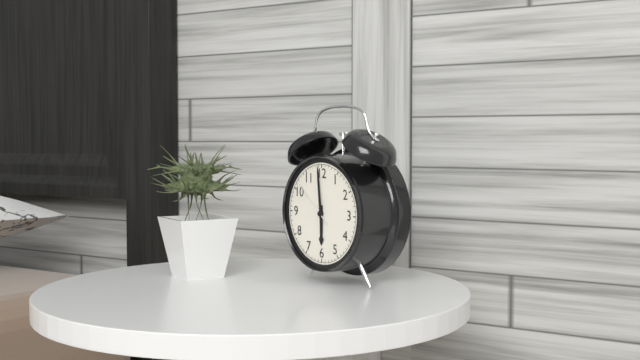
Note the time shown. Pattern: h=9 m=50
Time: h=5 m=59
